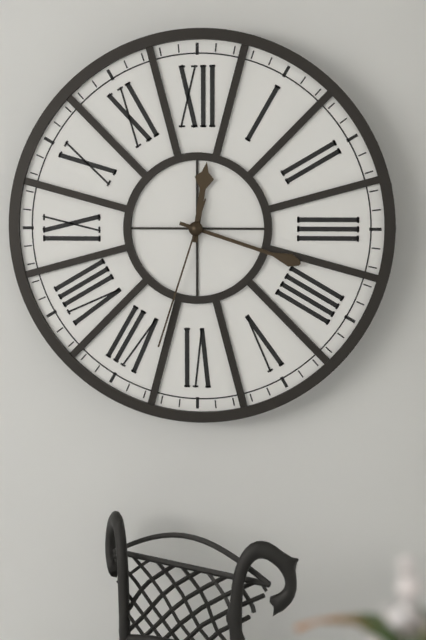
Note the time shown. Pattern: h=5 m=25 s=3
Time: h=12 m=18 s=33
